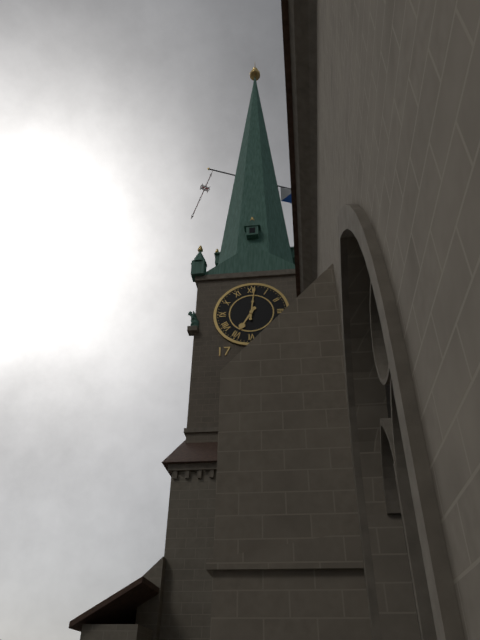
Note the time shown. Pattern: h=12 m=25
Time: h=7 m=1
